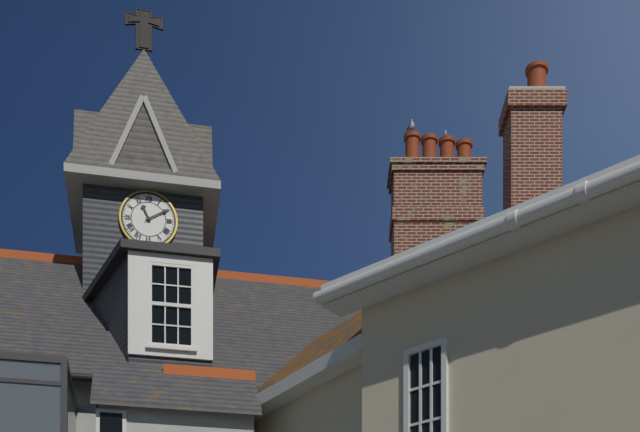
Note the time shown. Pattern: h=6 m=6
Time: h=11 m=10
